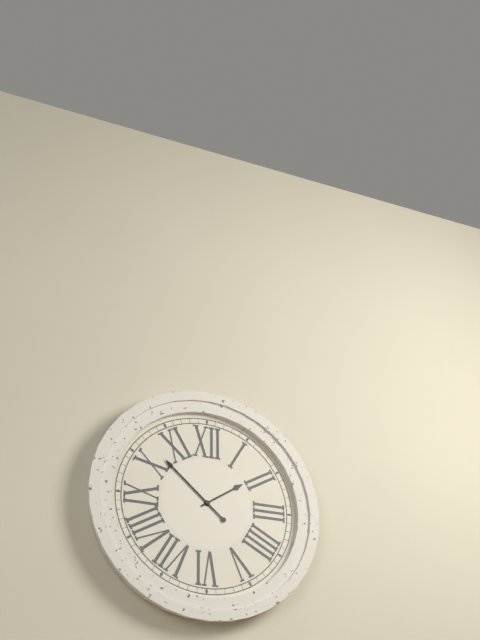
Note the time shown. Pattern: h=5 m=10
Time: h=1 m=52
